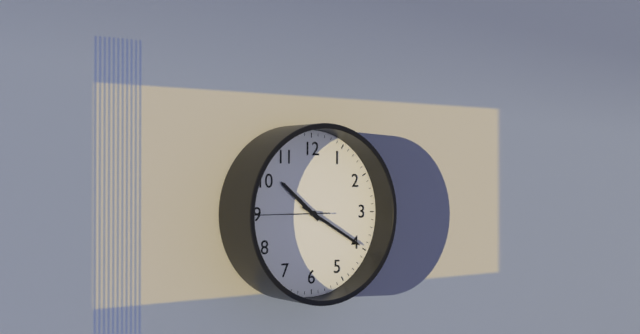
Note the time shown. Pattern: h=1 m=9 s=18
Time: h=10 m=20 s=45
